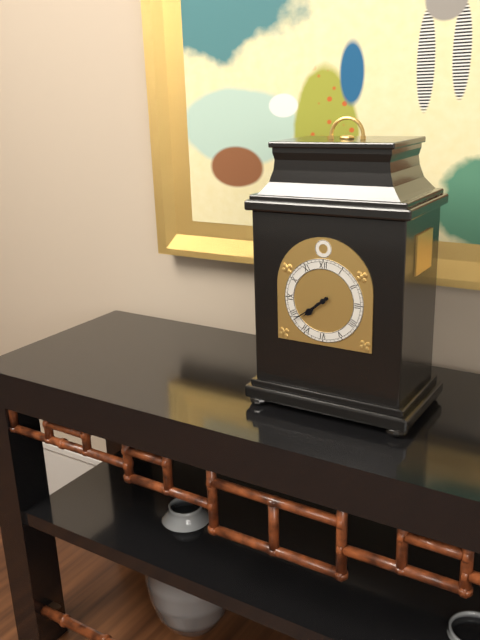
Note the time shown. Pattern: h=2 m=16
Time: h=7 m=39
